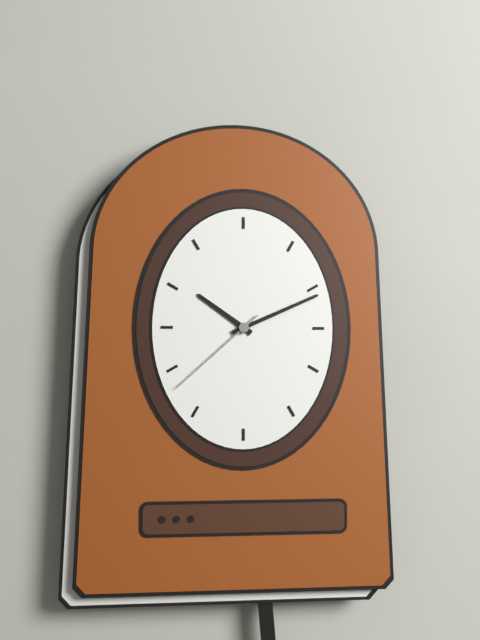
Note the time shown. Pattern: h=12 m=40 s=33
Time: h=10 m=11 s=38
